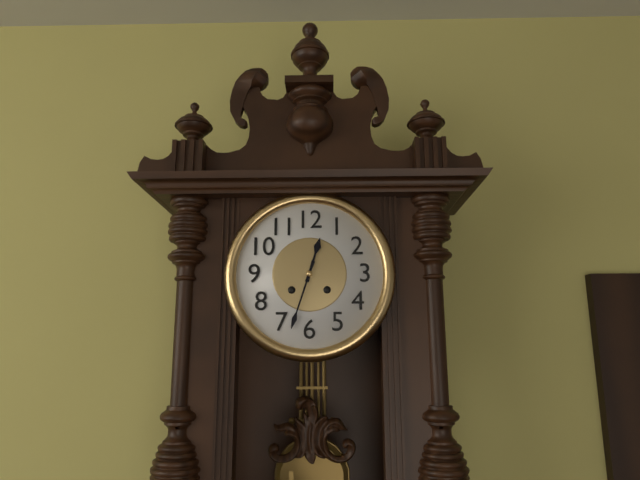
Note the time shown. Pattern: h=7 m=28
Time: h=12 m=33
